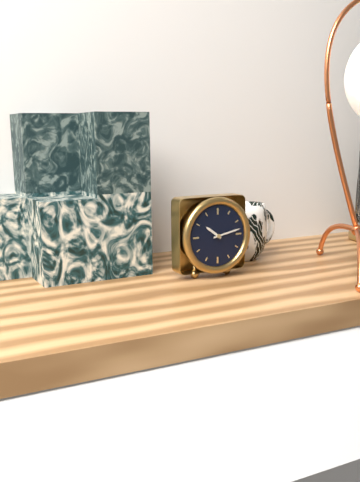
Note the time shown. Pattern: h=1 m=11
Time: h=10 m=13
